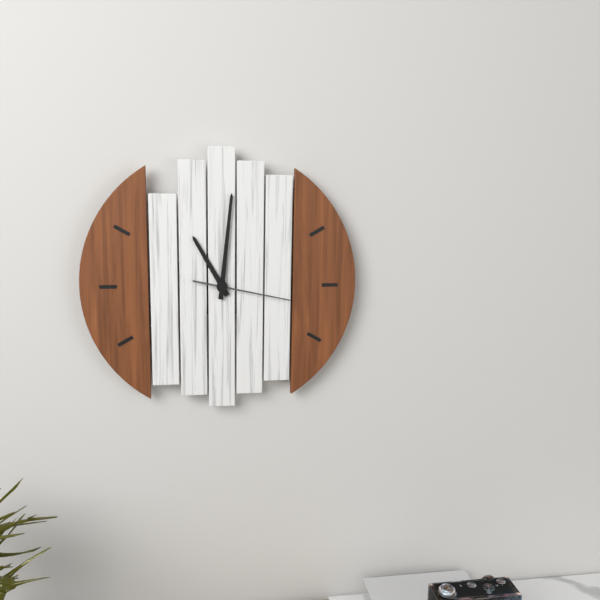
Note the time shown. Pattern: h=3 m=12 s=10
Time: h=11 m=1 s=17
